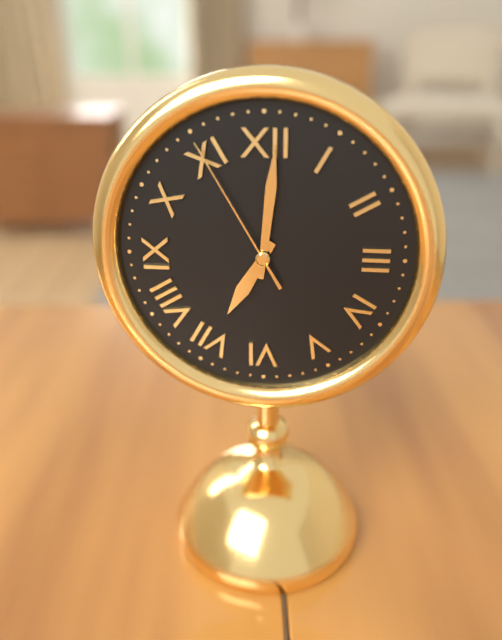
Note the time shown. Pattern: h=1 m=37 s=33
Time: h=7 m=1 s=55
